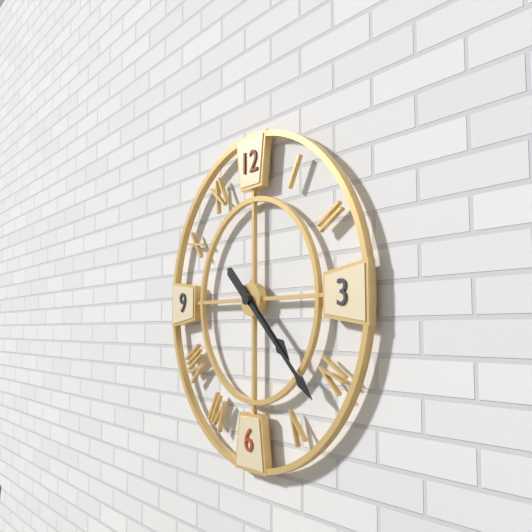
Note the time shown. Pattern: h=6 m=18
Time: h=4 m=22
